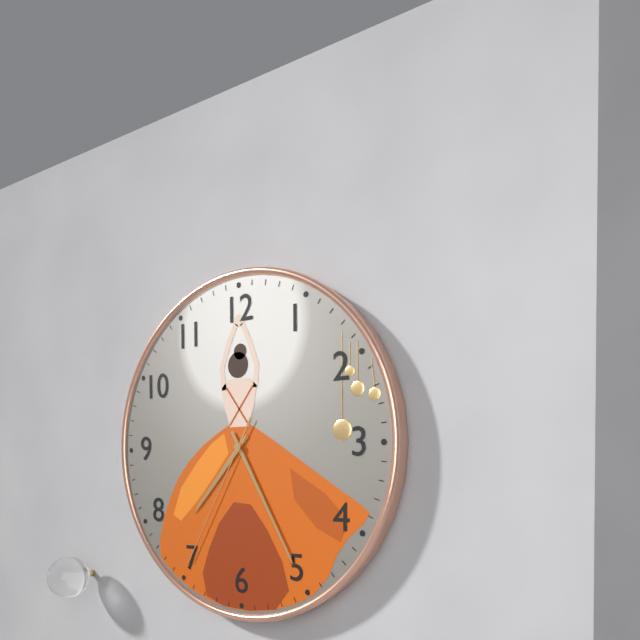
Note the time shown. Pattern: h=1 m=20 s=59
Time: h=7 m=25 s=35
